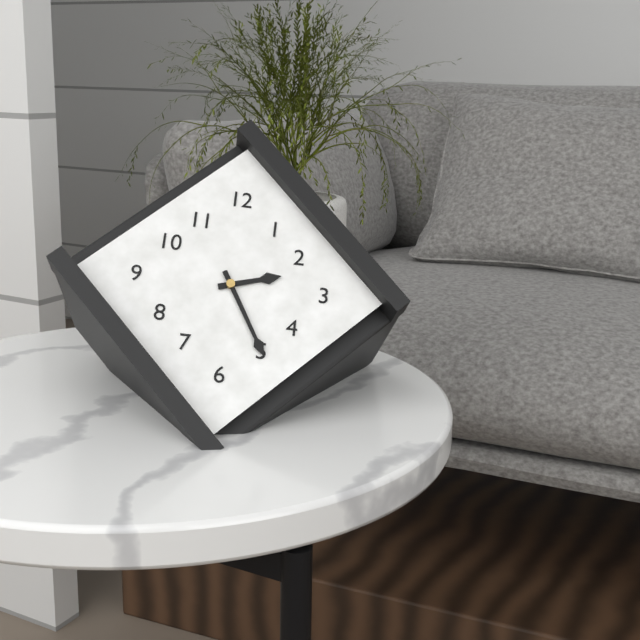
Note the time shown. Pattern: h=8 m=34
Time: h=2 m=25
